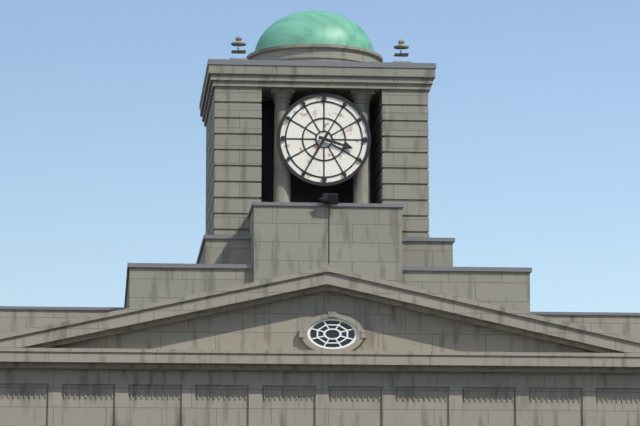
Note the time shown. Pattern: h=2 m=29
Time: h=3 m=35
